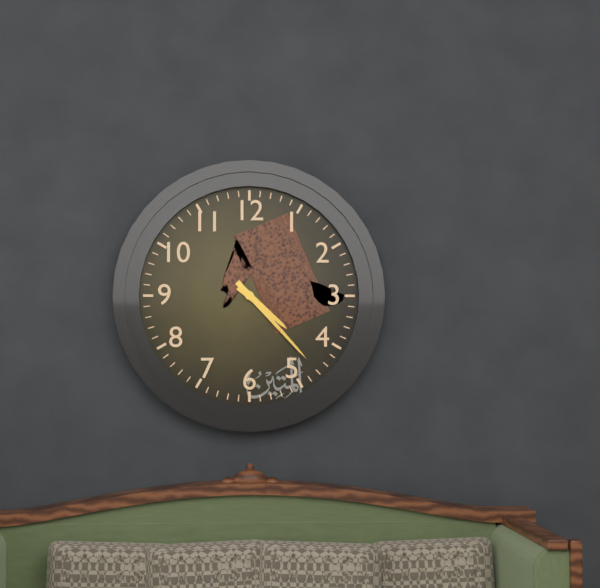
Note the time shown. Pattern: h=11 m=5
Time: h=4 m=23
